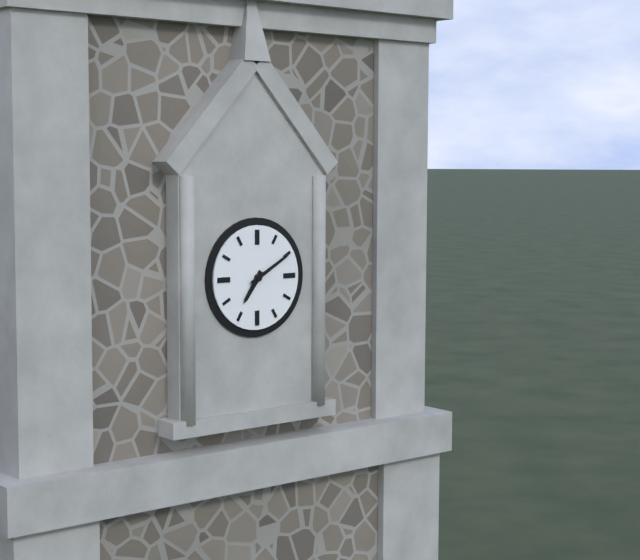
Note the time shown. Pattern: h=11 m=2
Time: h=7 m=10
